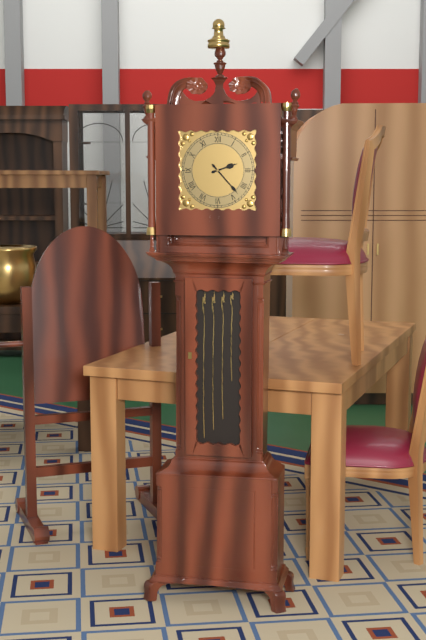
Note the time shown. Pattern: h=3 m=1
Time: h=2 m=23
